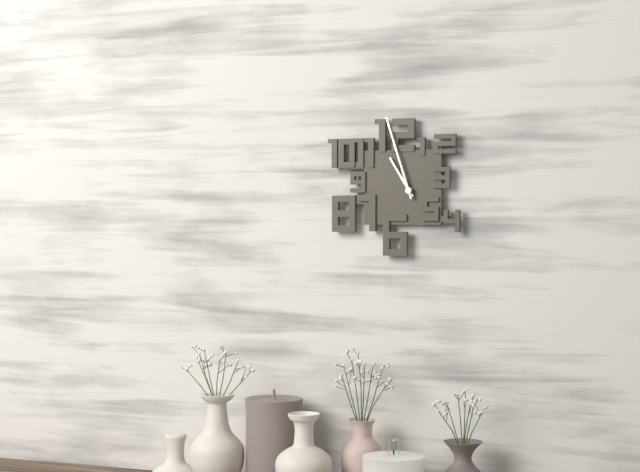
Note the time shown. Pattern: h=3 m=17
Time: h=10 m=57
